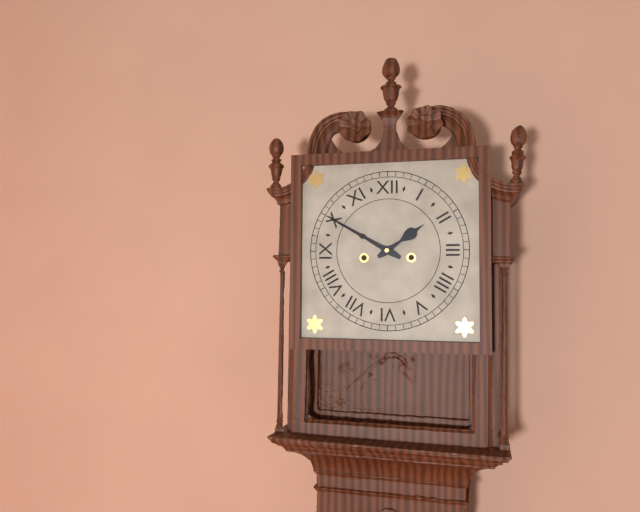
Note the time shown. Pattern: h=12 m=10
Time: h=1 m=50
